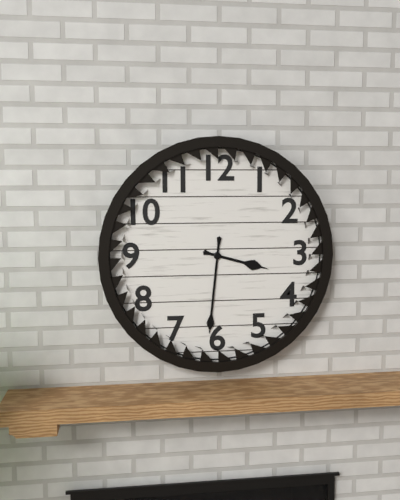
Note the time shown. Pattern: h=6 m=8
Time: h=3 m=31
